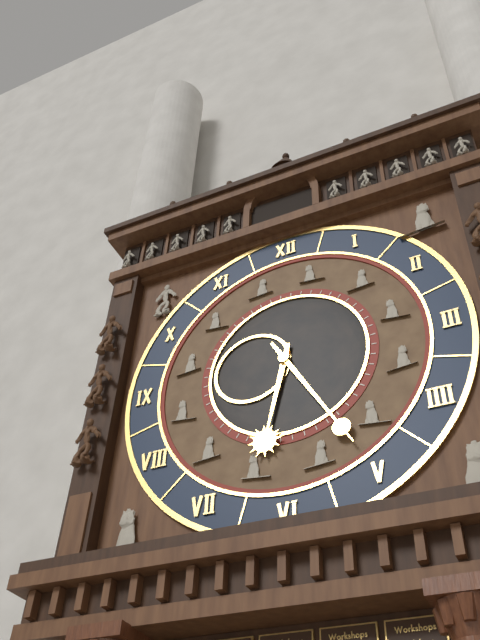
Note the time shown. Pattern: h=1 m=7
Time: h=6 m=25
